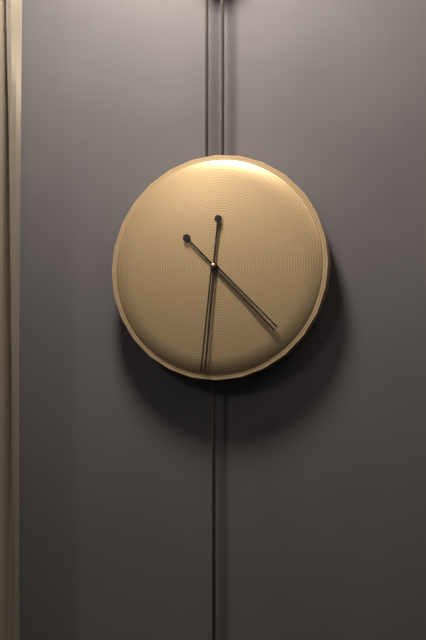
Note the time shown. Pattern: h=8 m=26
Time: h=4 m=31
